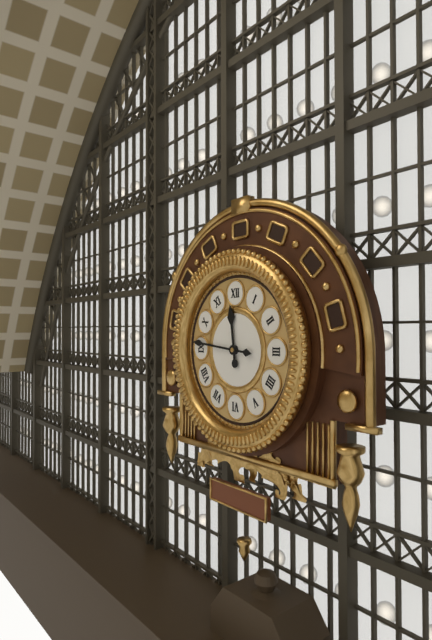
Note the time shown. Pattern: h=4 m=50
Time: h=11 m=46
